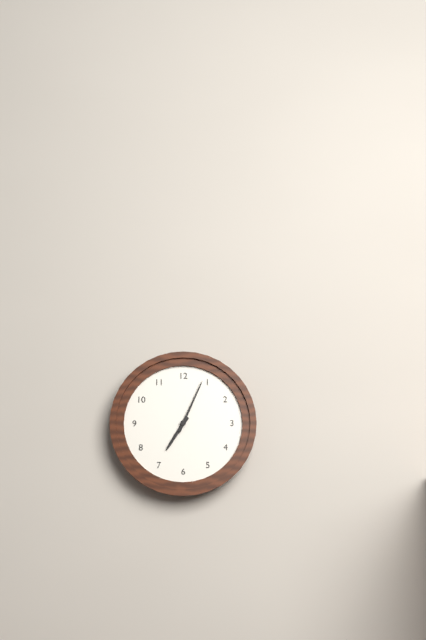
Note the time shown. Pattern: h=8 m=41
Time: h=7 m=4
